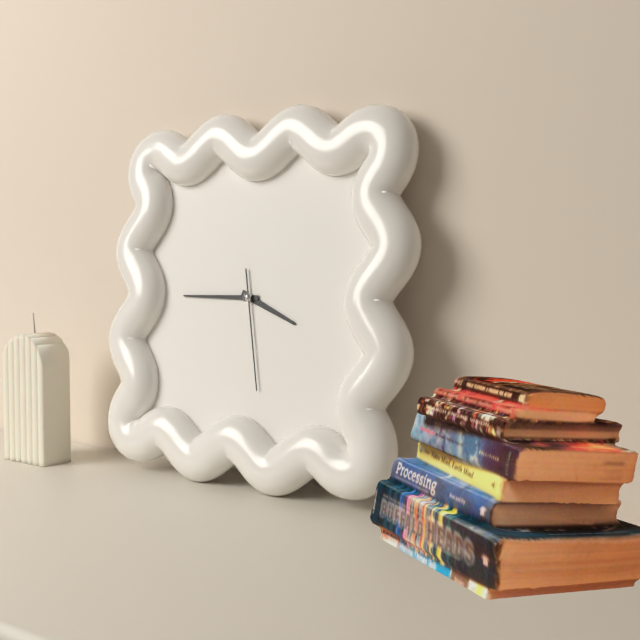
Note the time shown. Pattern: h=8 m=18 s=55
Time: h=3 m=45 s=28
